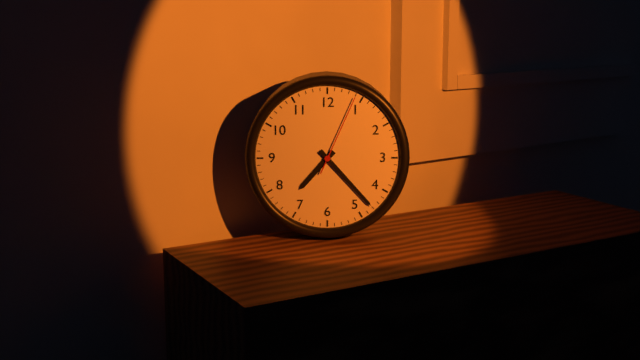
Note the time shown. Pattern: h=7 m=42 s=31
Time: h=7 m=23 s=4
